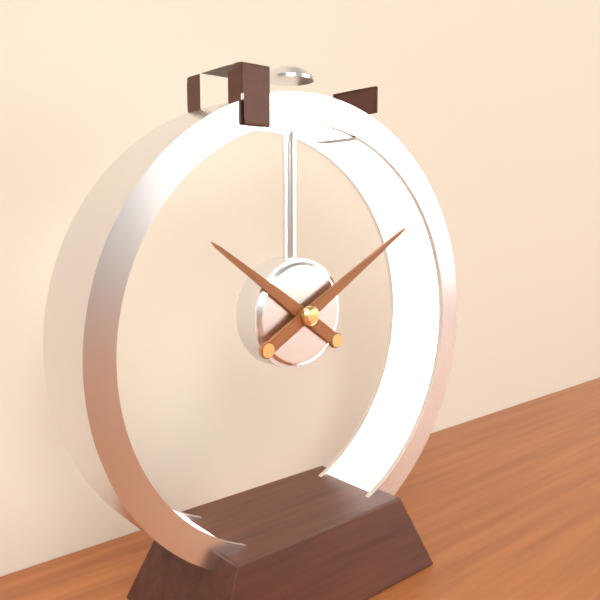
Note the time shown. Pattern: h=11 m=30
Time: h=10 m=10
